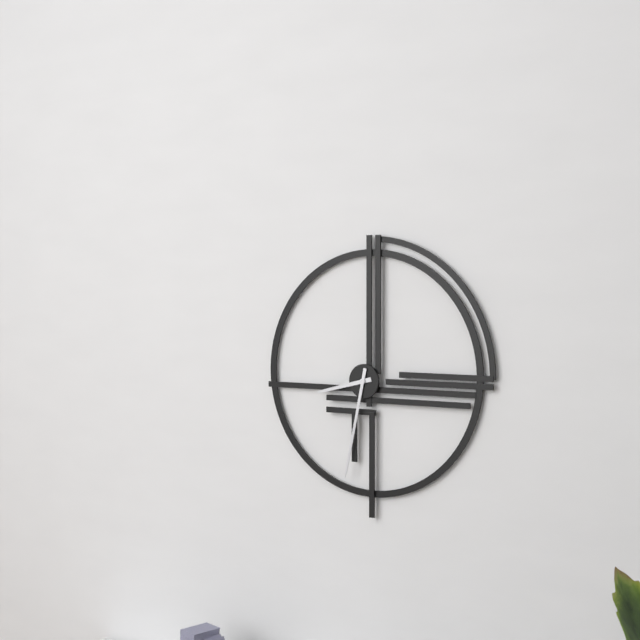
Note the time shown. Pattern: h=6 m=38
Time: h=8 m=32
